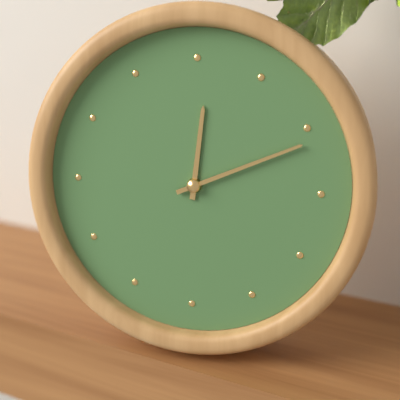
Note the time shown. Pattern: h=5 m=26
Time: h=12 m=11
